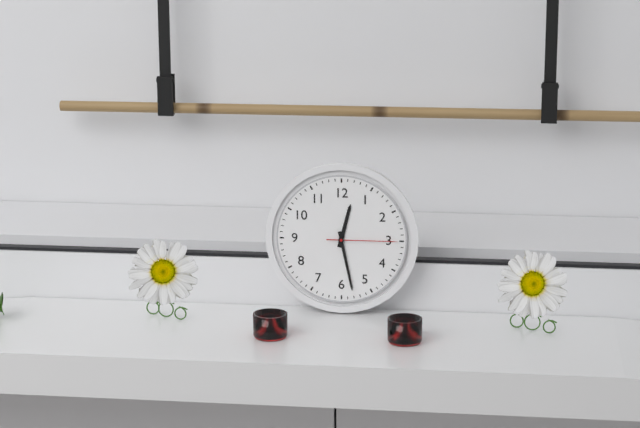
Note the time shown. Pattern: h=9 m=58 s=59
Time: h=12 m=28 s=15
